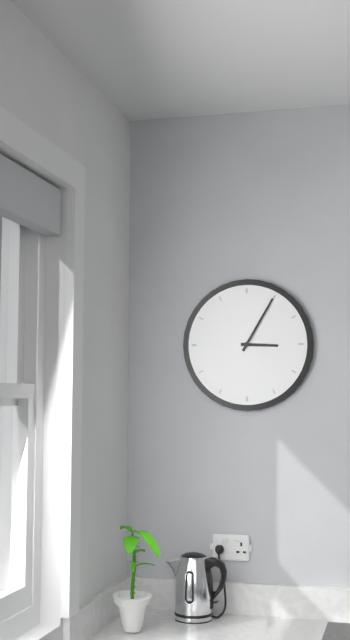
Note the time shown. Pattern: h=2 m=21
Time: h=3 m=5
